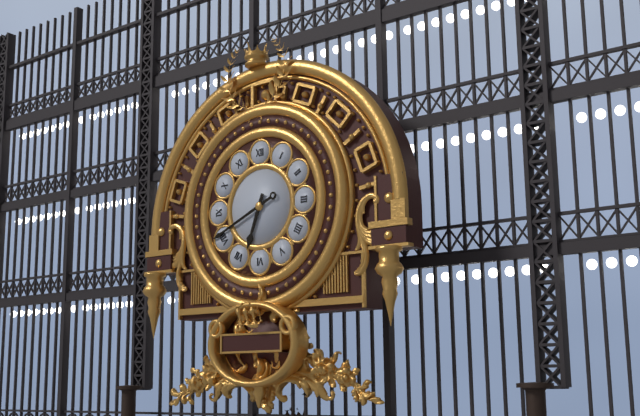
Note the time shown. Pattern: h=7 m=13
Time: h=6 m=41
